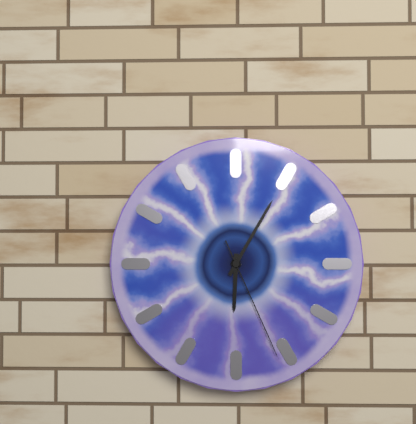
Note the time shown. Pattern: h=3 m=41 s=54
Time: h=6 m=5 s=26
